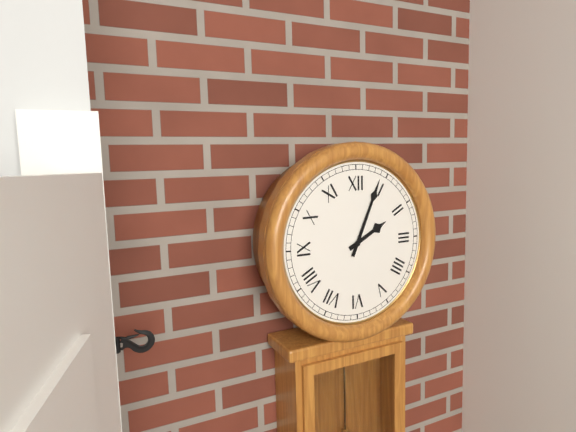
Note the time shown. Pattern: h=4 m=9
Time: h=2 m=4
